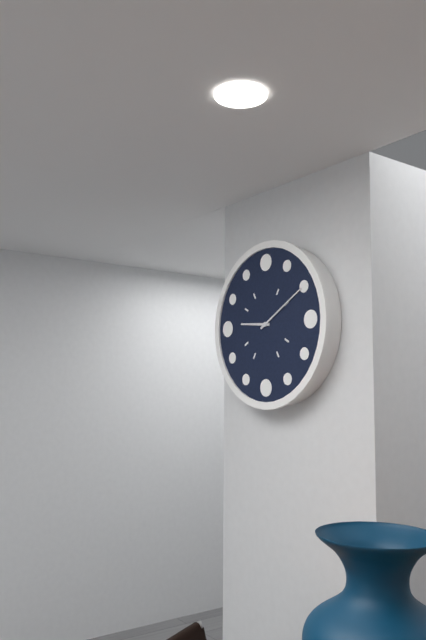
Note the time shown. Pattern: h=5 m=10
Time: h=9 m=10
